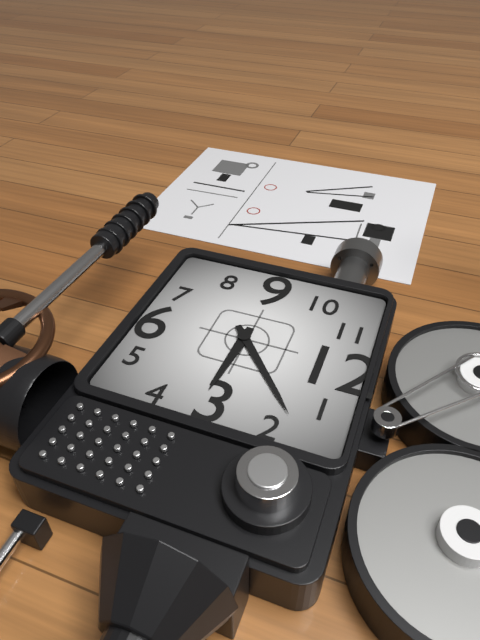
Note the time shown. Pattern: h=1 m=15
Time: h=3 m=8
